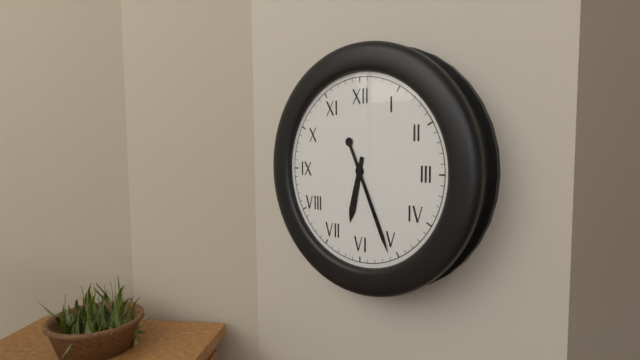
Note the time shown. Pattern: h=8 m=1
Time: h=6 m=26
